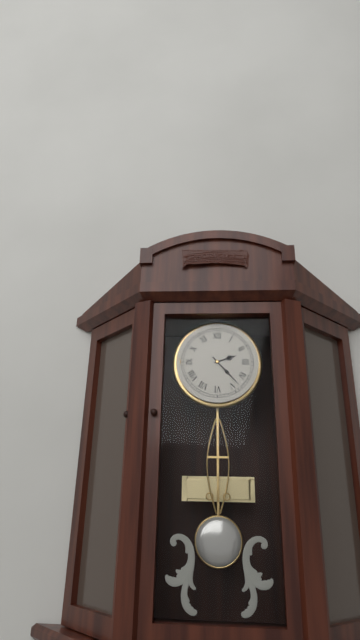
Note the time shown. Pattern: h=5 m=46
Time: h=2 m=23
